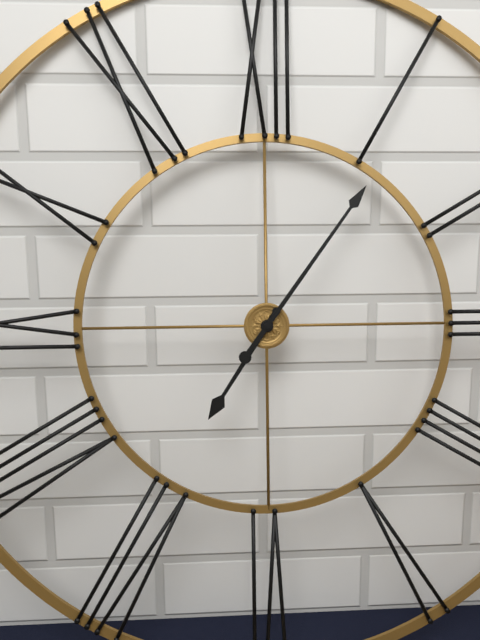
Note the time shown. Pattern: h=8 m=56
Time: h=7 m=6
